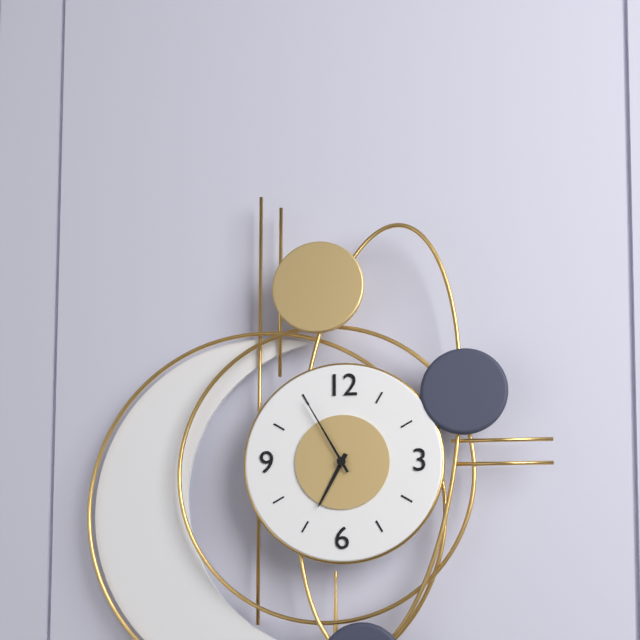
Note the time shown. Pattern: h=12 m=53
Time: h=6 m=55
